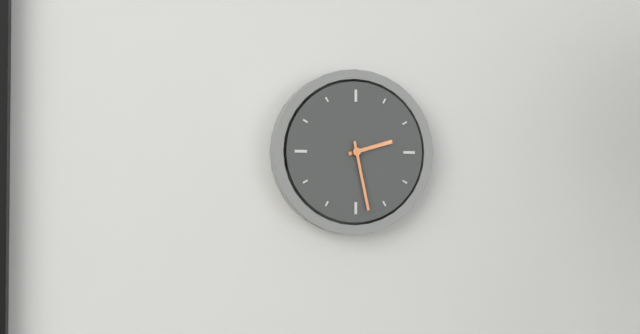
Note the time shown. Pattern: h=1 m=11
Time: h=2 m=28
